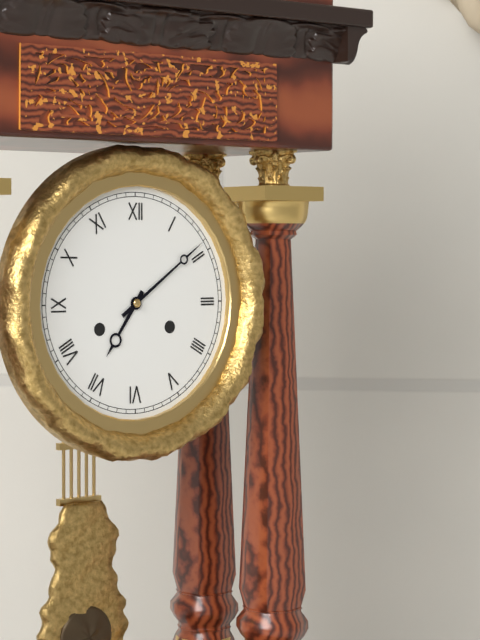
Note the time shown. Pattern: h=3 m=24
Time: h=7 m=9
